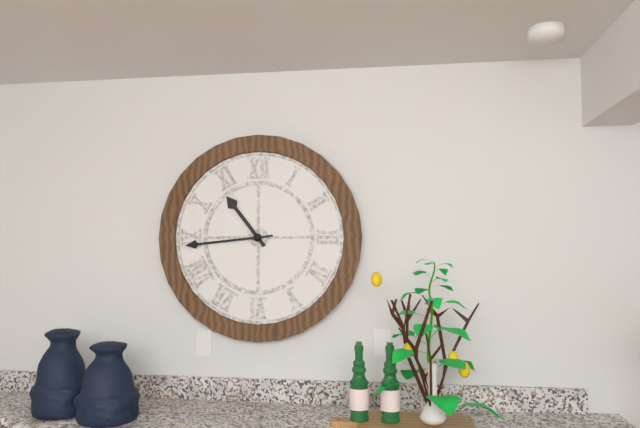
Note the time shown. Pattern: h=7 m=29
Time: h=10 m=44
